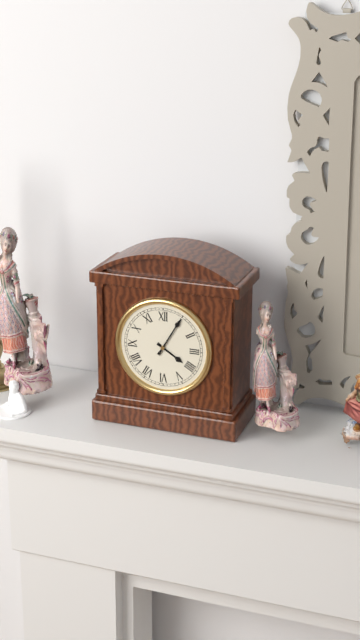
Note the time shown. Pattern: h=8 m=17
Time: h=4 m=5
